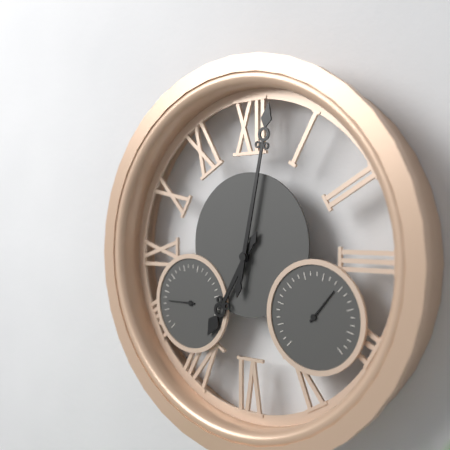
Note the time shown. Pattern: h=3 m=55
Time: h=7 m=2
